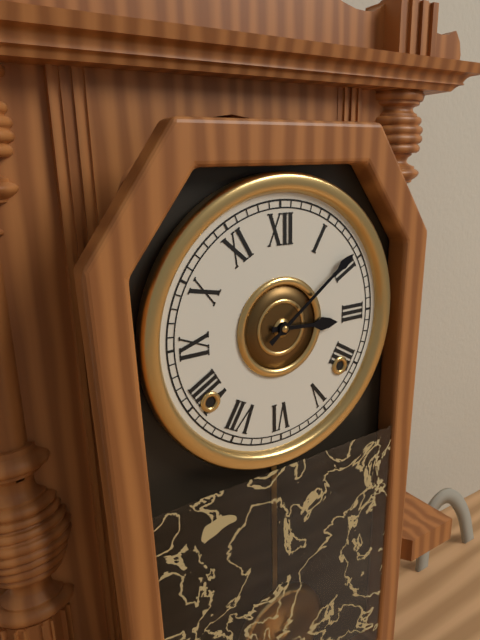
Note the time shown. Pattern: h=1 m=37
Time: h=3 m=9
